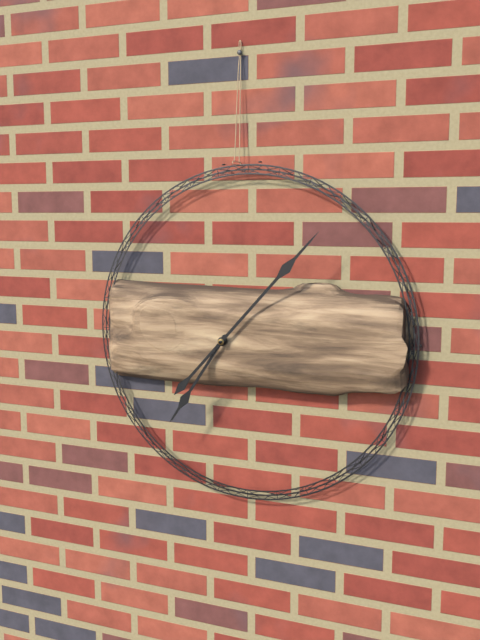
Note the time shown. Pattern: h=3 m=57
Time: h=7 m=7
